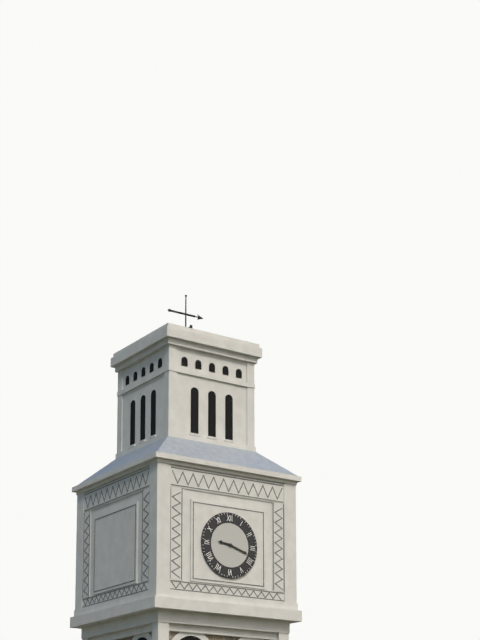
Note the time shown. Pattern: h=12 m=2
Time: h=9 m=18
